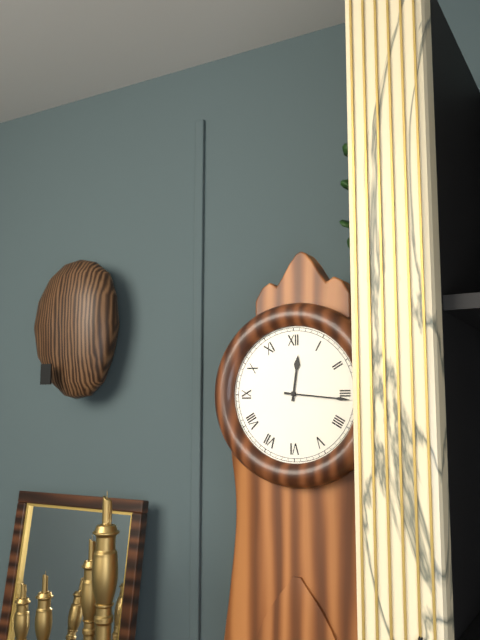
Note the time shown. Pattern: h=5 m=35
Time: h=12 m=16
